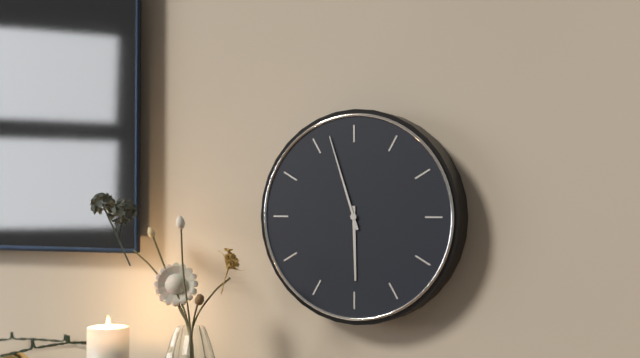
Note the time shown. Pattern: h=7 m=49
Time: h=5 m=57
